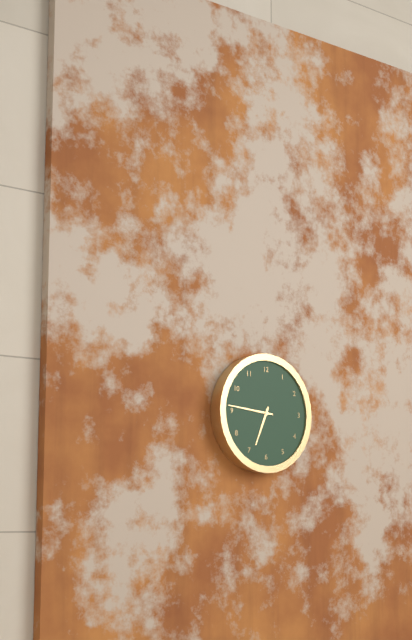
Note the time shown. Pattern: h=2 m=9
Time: h=6 m=46
